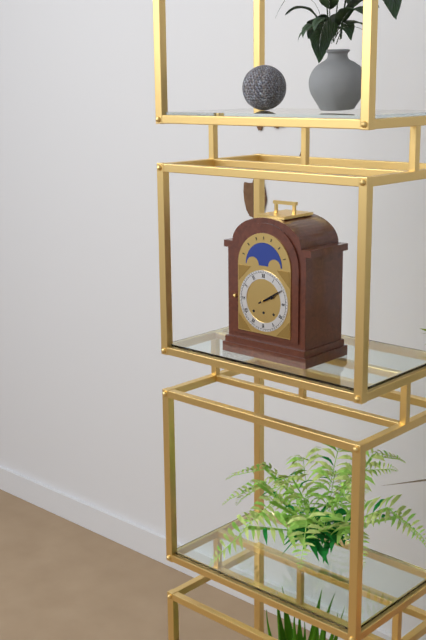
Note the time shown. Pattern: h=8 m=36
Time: h=2 m=10
